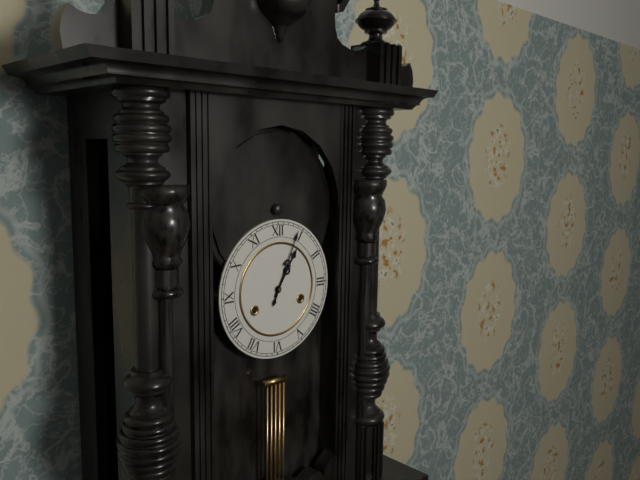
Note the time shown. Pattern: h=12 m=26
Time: h=1 m=4
